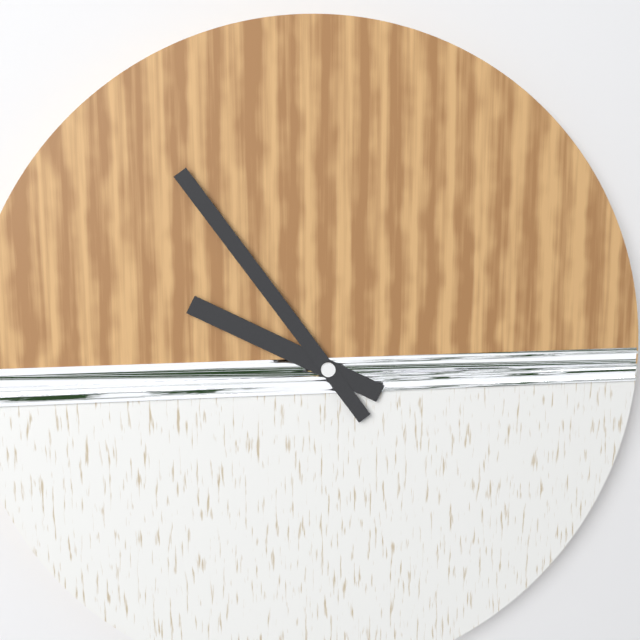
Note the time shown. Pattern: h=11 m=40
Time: h=9 m=54
